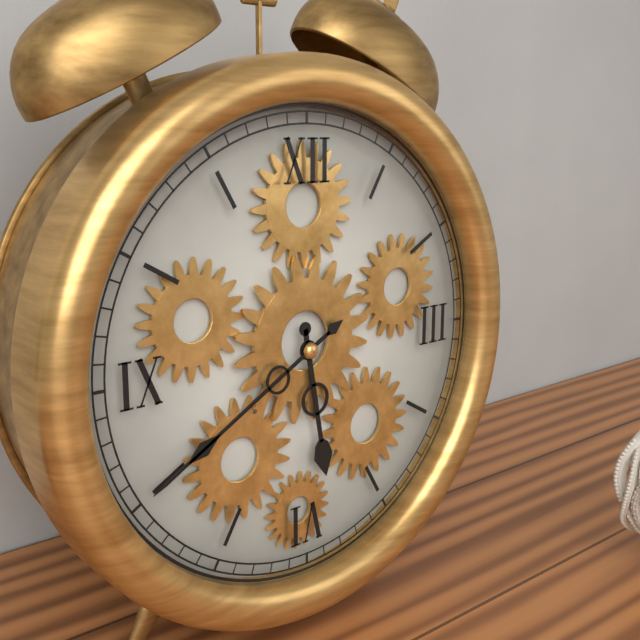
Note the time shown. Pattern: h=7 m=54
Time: h=5 m=40
